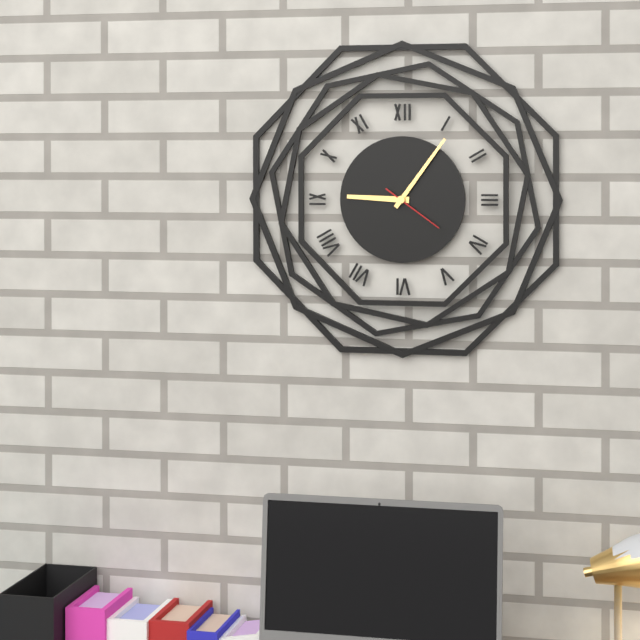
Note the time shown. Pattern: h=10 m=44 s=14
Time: h=9 m=6 s=21
